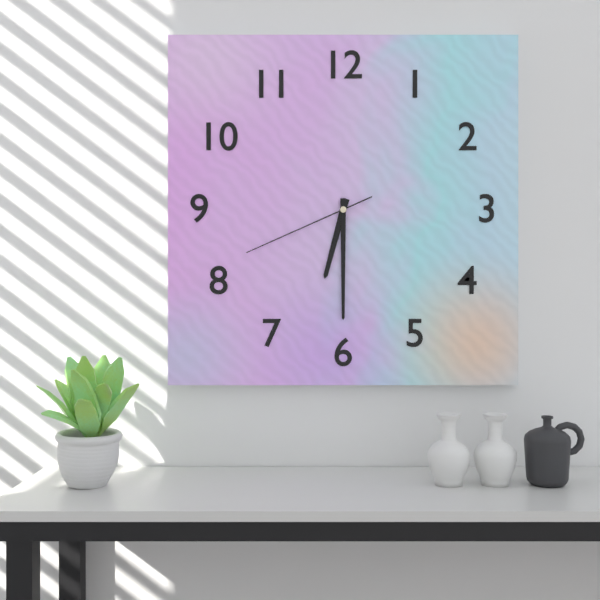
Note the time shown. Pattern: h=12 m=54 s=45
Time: h=6 m=30 s=41
